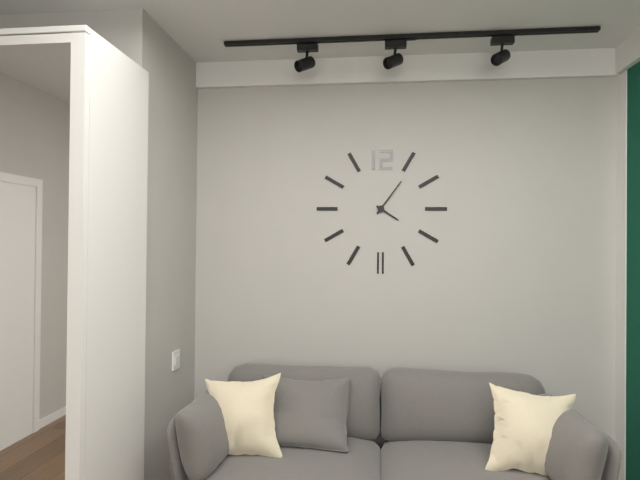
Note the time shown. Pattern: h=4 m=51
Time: h=4 m=6
